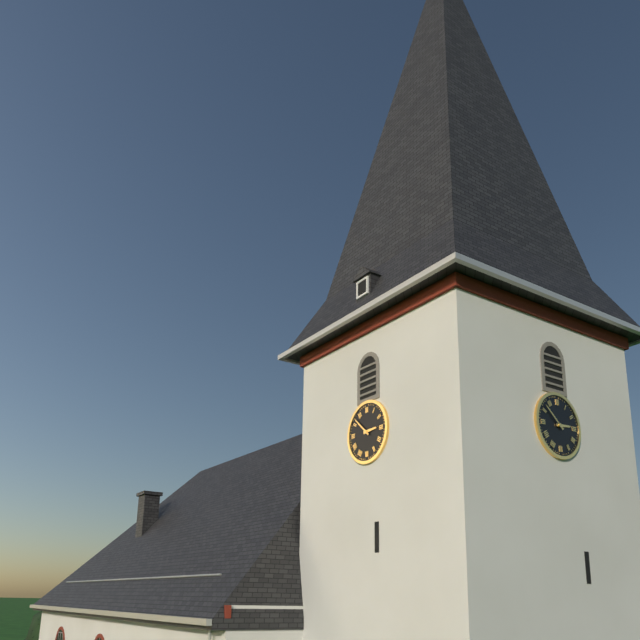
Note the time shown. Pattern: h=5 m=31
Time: h=2 m=52
